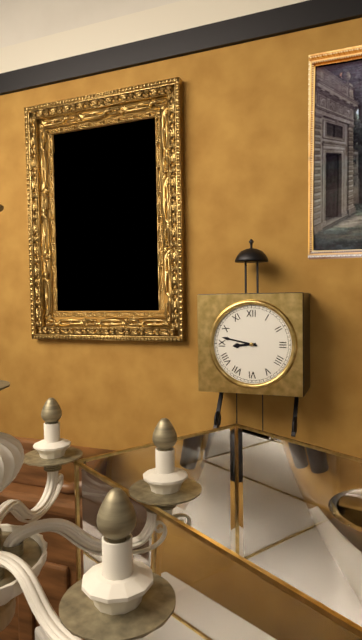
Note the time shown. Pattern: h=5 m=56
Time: h=8 m=47
